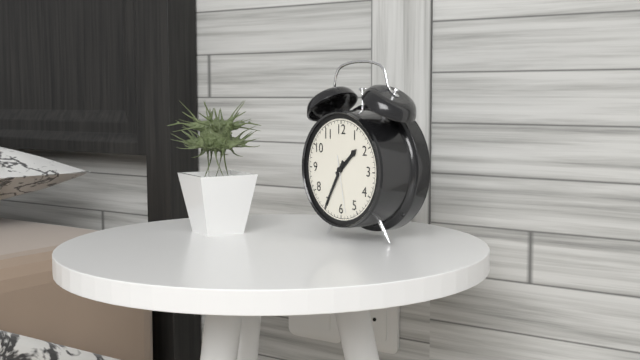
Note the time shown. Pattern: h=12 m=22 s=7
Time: h=1 m=35 s=28
